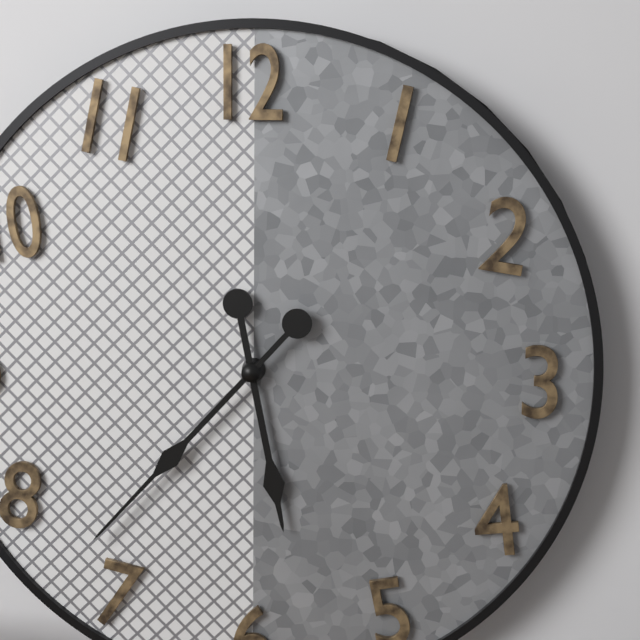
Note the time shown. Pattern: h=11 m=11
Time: h=5 m=37
